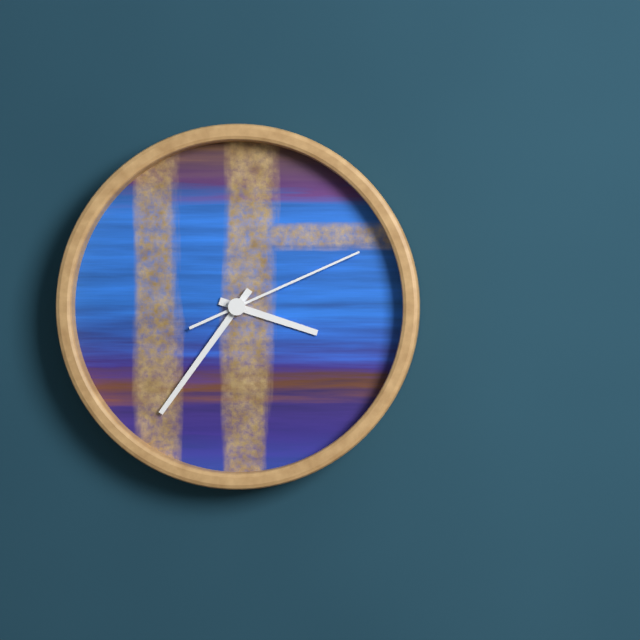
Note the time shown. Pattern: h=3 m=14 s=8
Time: h=3 m=36 s=11
